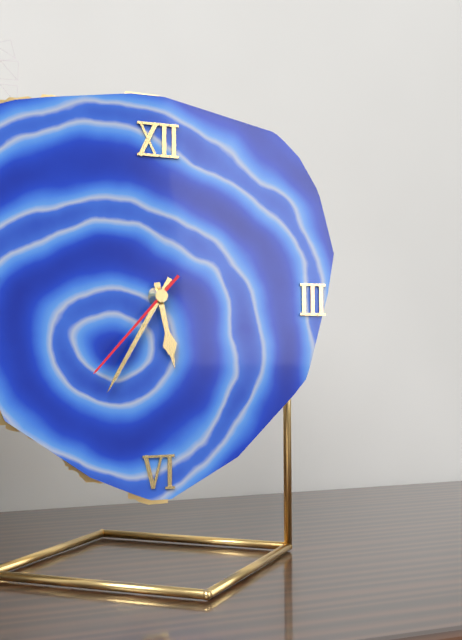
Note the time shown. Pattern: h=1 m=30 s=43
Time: h=5 m=35 s=37
